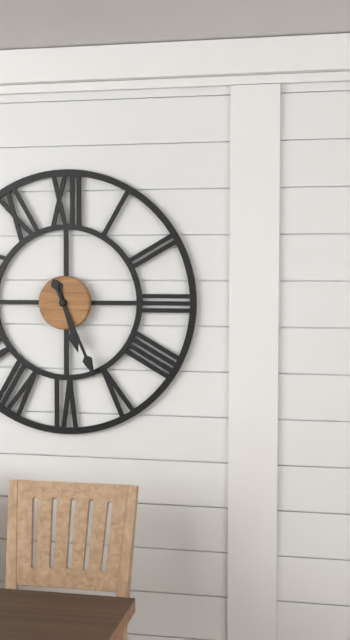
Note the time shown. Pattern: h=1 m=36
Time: h=5 m=26
